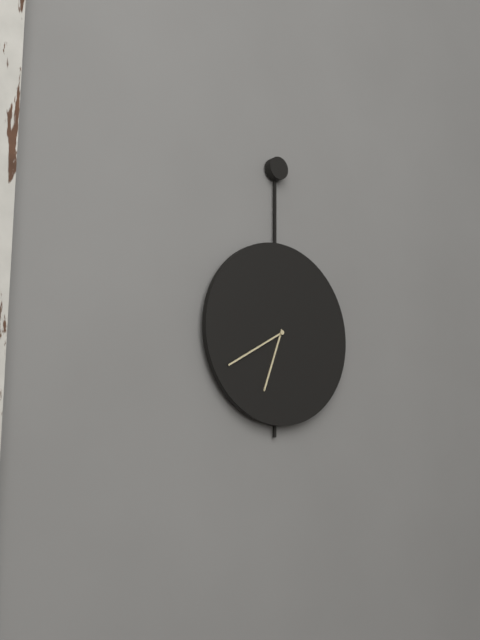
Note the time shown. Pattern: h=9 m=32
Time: h=6 m=40
